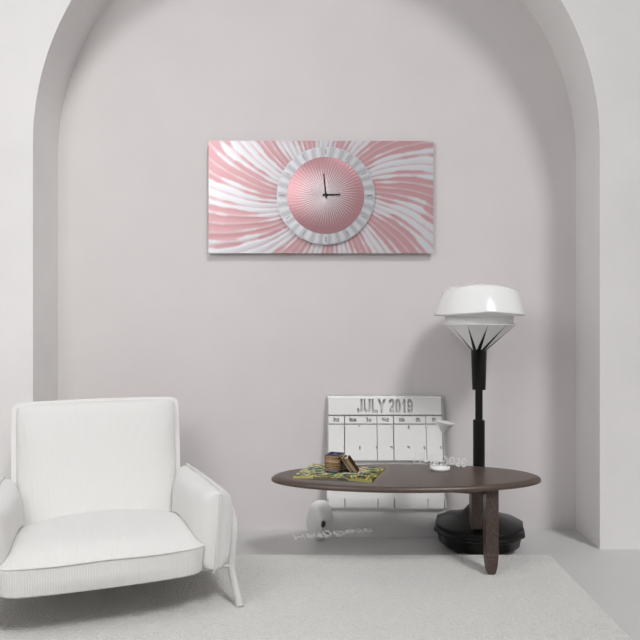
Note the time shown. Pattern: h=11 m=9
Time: h=2 m=59
